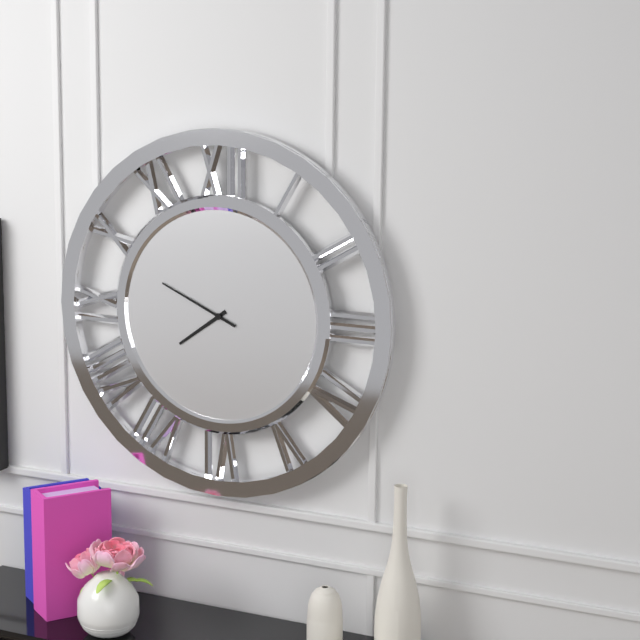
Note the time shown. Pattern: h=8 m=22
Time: h=7 m=49
